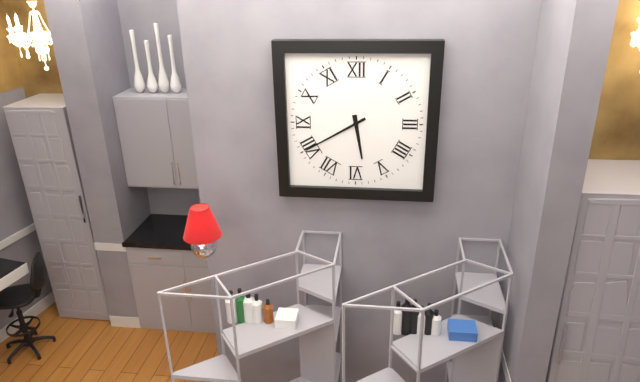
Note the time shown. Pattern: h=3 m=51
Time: h=5 m=40
